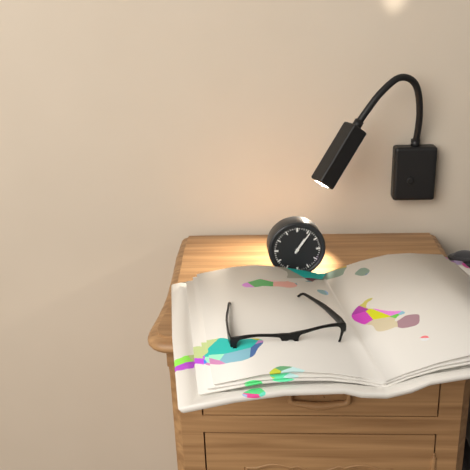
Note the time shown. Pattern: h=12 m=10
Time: h=1 m=6
